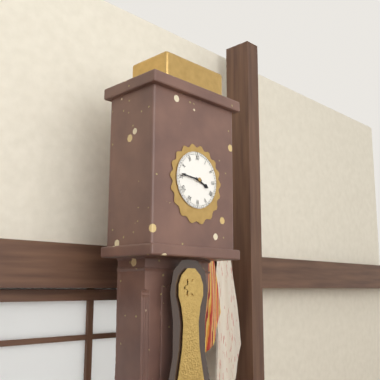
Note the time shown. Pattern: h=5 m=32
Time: h=3 m=46
